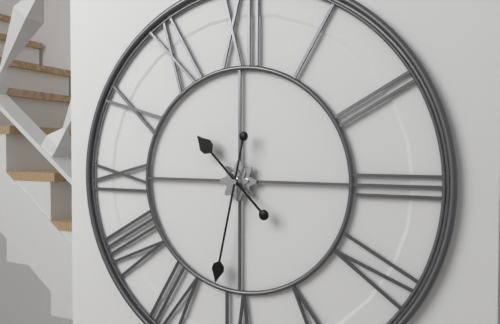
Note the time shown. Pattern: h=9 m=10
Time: h=10 m=32
